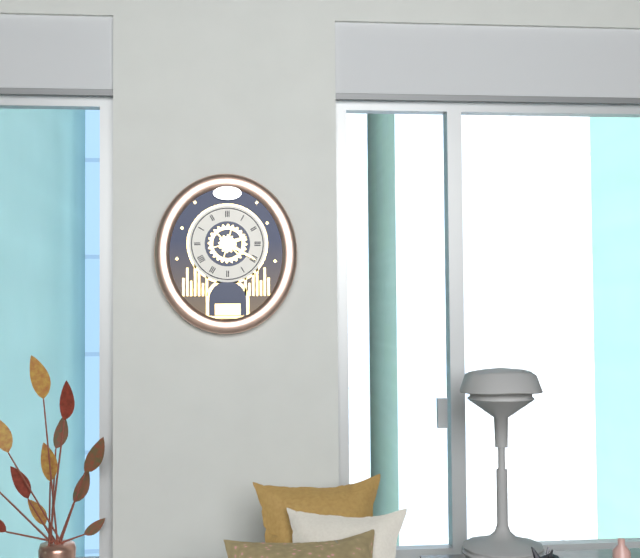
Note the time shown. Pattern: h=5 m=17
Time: h=2 m=20
